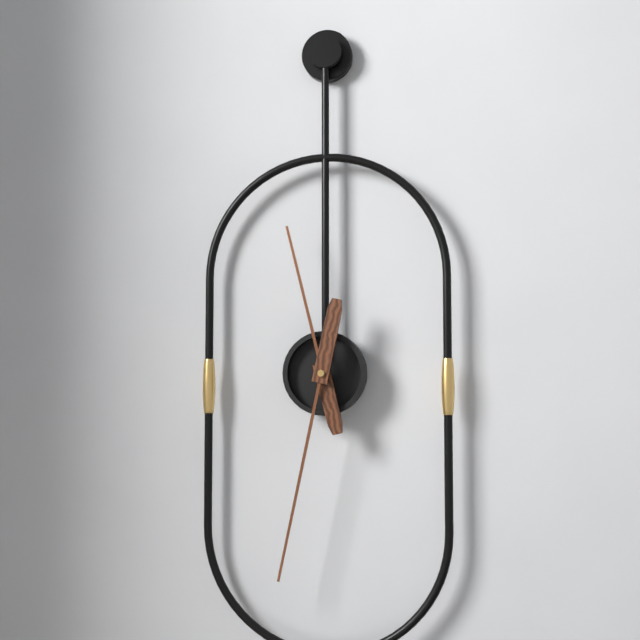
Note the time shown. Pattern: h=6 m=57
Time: h=11 m=32
